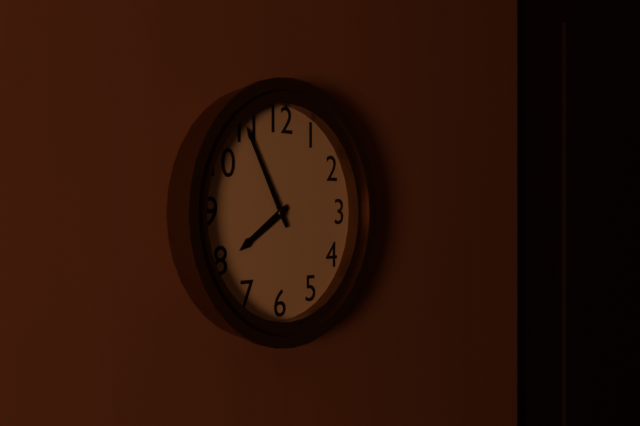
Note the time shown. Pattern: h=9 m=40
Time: h=7 m=55
